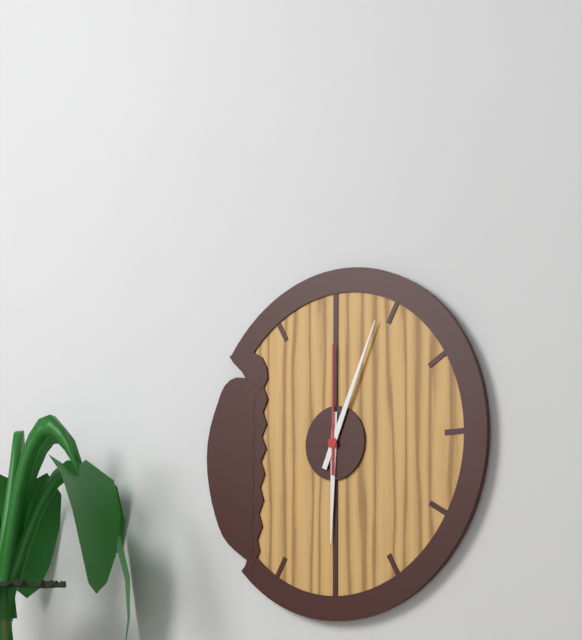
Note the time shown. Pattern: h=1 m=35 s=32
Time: h=6 m=4 s=0
